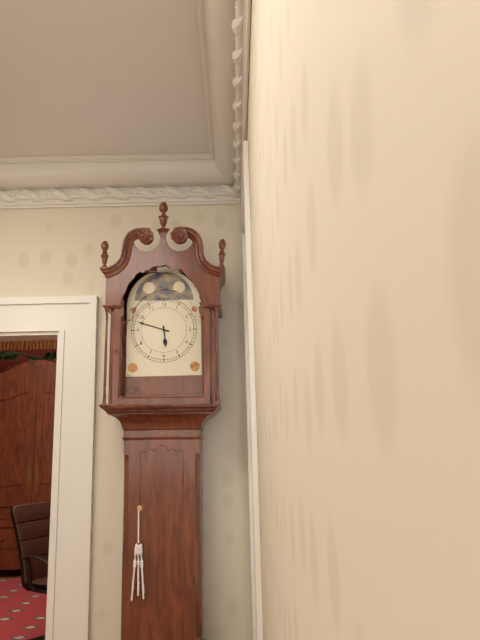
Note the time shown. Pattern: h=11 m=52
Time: h=5 m=48
